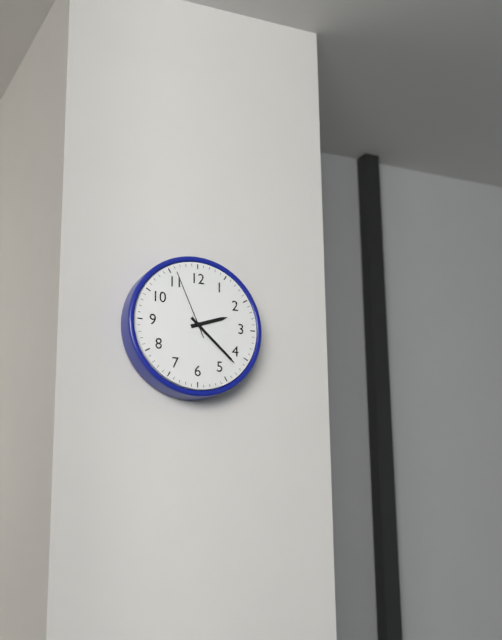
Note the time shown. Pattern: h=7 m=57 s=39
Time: h=2 m=22 s=56
